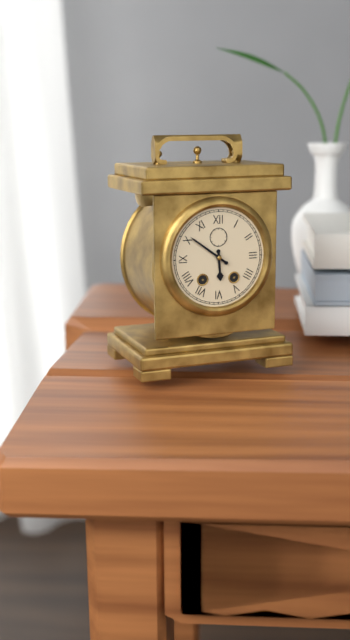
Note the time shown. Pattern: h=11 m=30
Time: h=5 m=51
